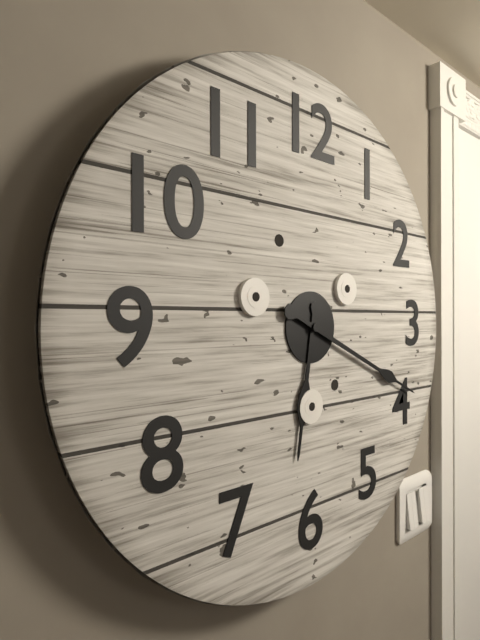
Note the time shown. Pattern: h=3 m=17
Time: h=6 m=19
